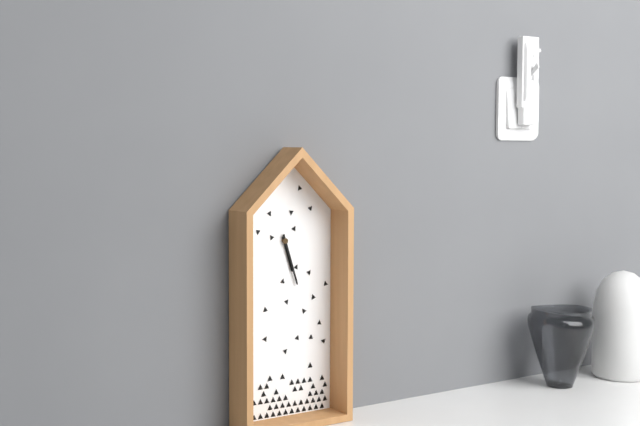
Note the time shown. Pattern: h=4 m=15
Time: h=5 m=27
